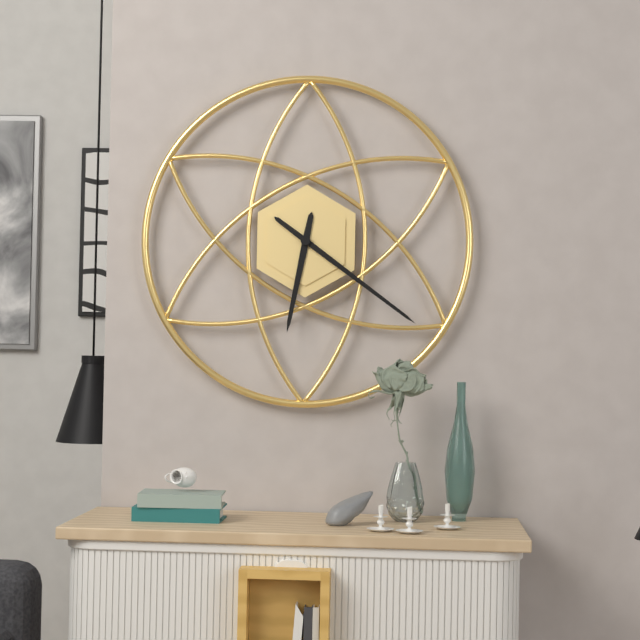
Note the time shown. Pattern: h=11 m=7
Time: h=6 m=21
